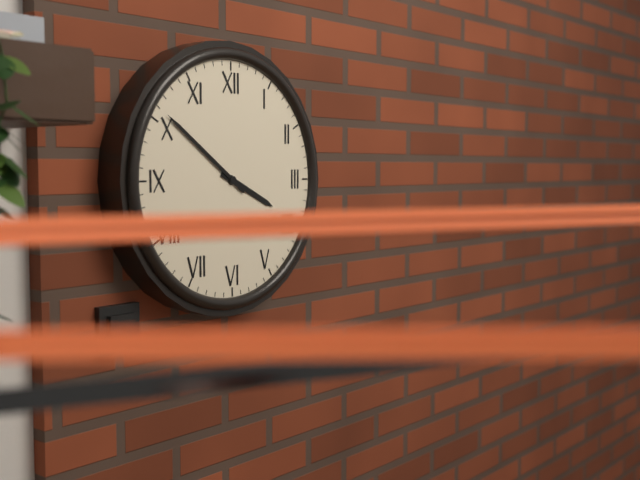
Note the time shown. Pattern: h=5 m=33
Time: h=3 m=51
